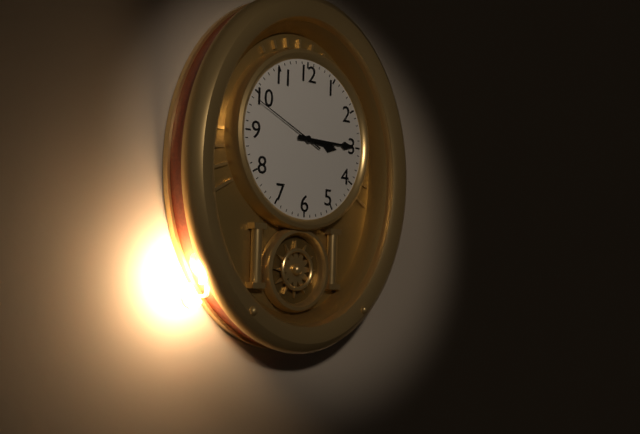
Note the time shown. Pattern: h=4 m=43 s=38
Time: h=3 m=15 s=49
